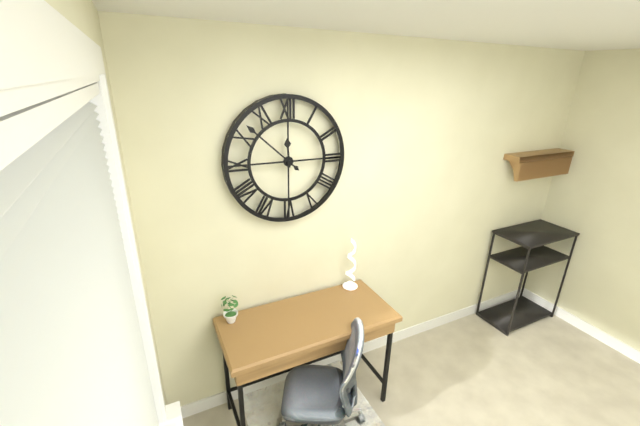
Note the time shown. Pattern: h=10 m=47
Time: h=11 m=52
